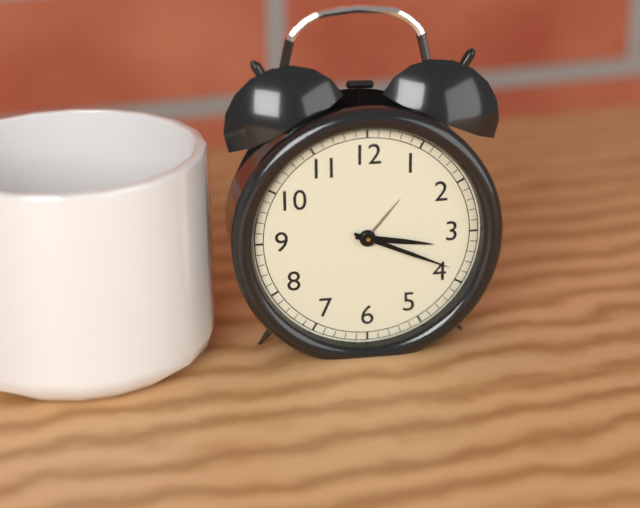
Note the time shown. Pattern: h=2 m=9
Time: h=3 m=19
